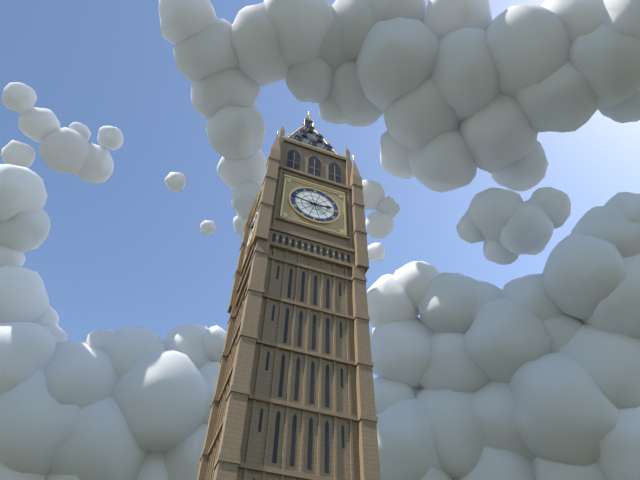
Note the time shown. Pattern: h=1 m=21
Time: h=2 m=46
